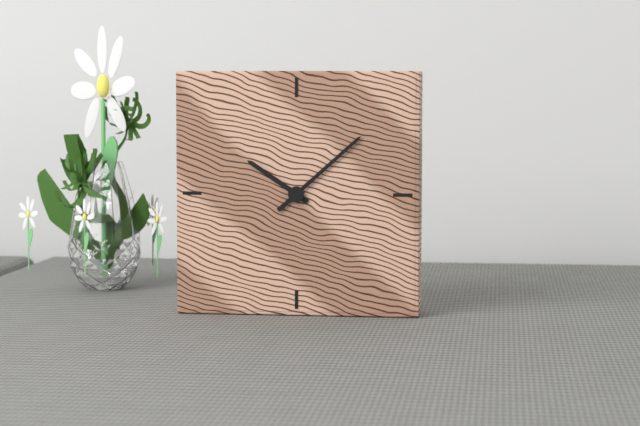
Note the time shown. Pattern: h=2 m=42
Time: h=10 m=8
